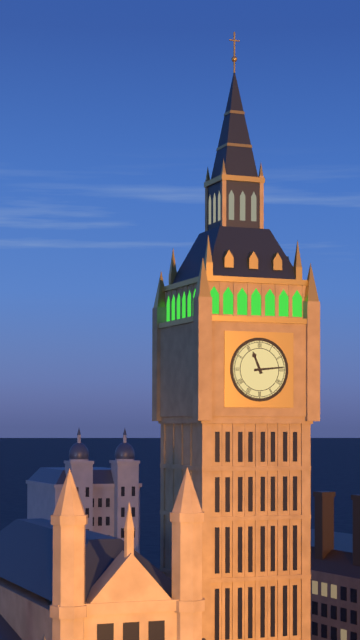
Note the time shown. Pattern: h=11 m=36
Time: h=11 m=14
